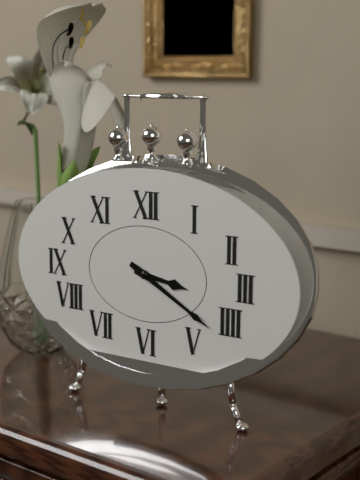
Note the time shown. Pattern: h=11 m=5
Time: h=3 m=20
